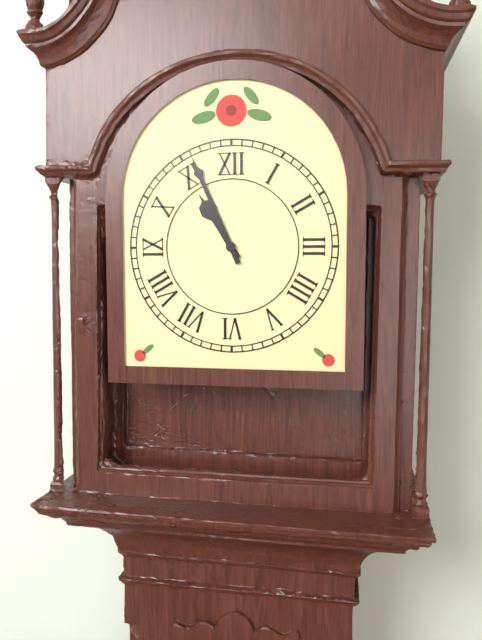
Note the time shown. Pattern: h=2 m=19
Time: h=10 m=56
